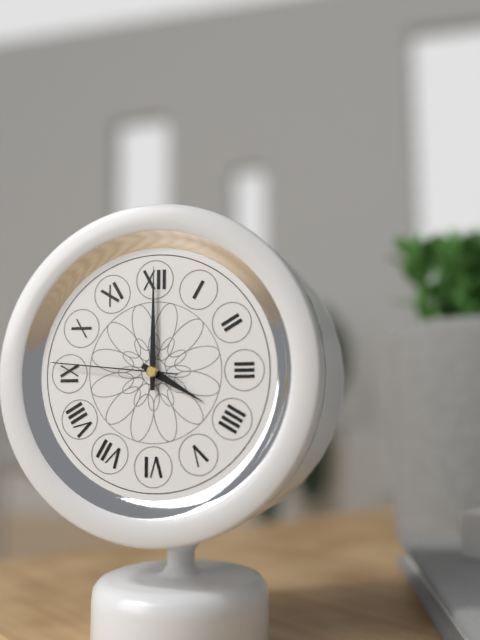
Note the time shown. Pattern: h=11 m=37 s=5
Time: h=4 m=0 s=46
